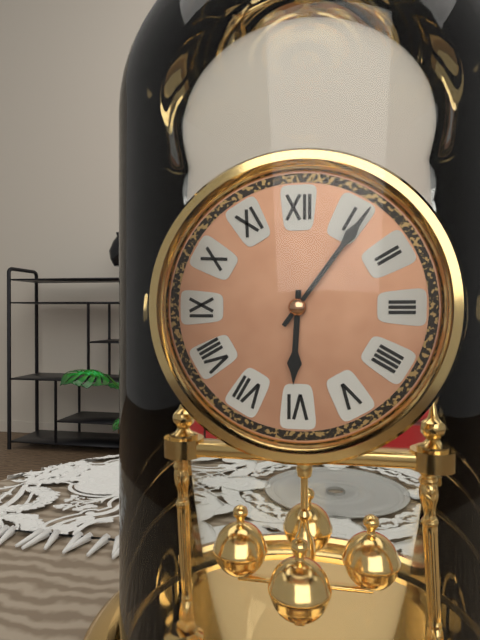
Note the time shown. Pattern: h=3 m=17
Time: h=6 m=6
